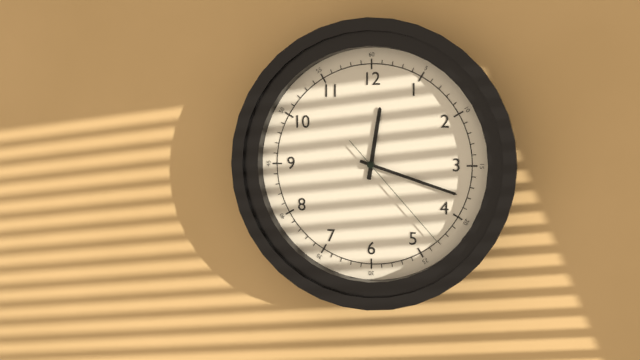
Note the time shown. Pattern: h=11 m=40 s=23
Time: h=12 m=18 s=23
